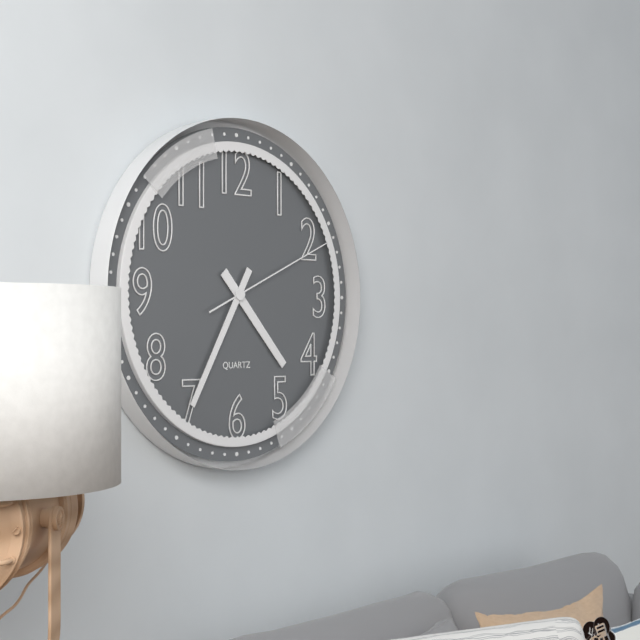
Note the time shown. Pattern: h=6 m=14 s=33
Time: h=4 m=35 s=11
